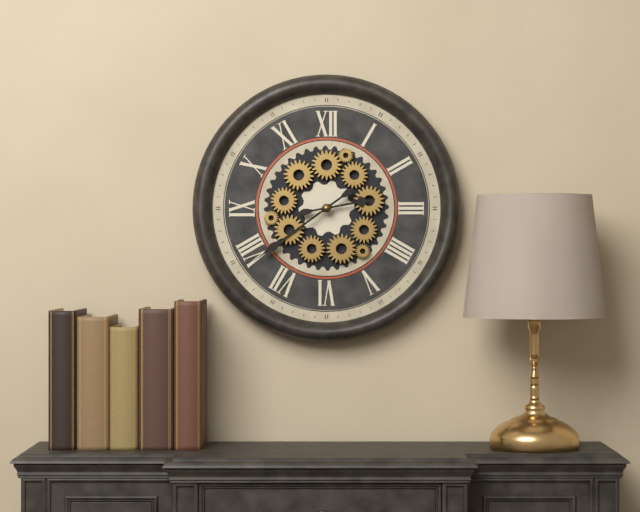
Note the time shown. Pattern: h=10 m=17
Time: h=2 m=39
